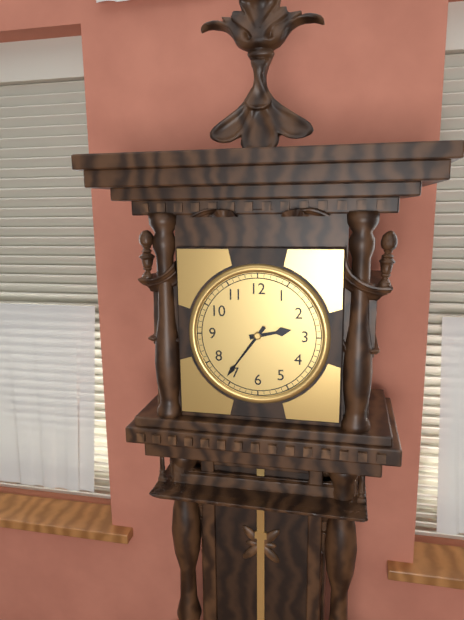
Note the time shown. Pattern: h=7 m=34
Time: h=2 m=36
